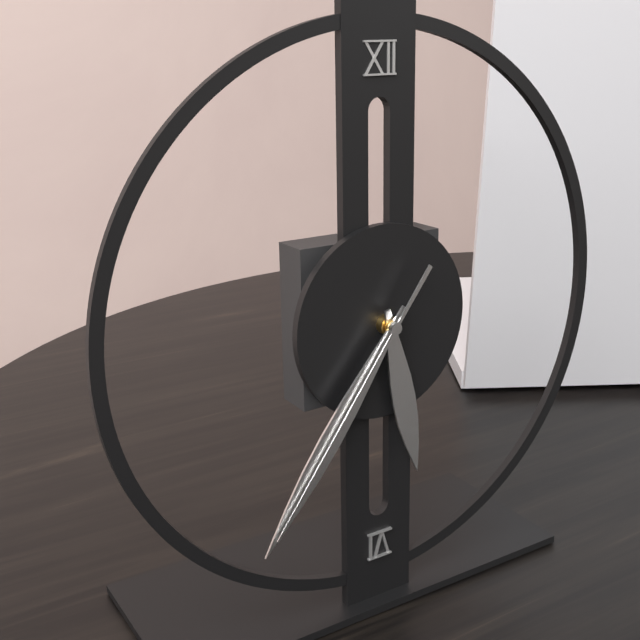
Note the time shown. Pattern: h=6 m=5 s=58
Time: h=5 m=36 s=36
